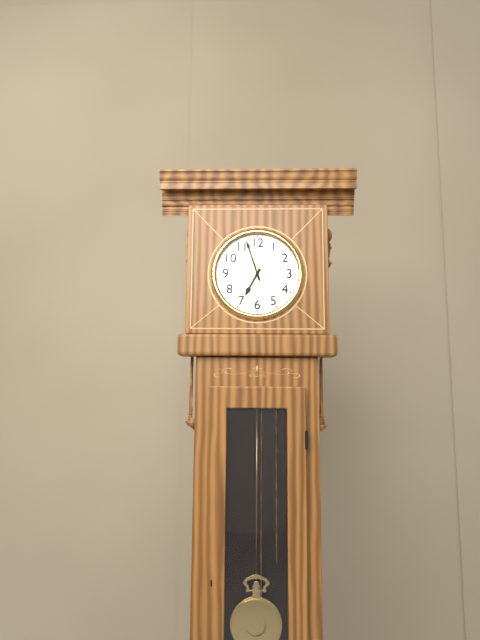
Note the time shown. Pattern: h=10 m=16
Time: h=6 m=57
